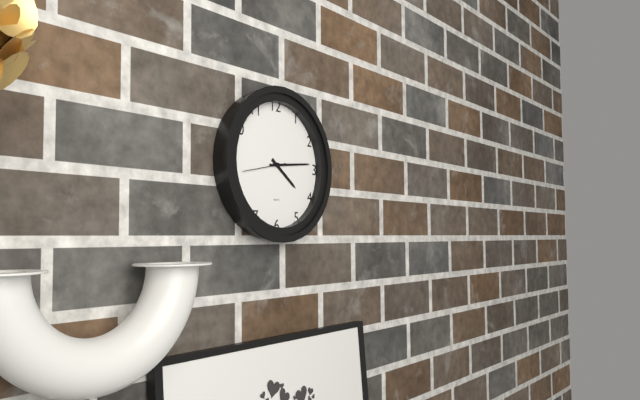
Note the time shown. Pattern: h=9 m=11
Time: h=4 m=14
